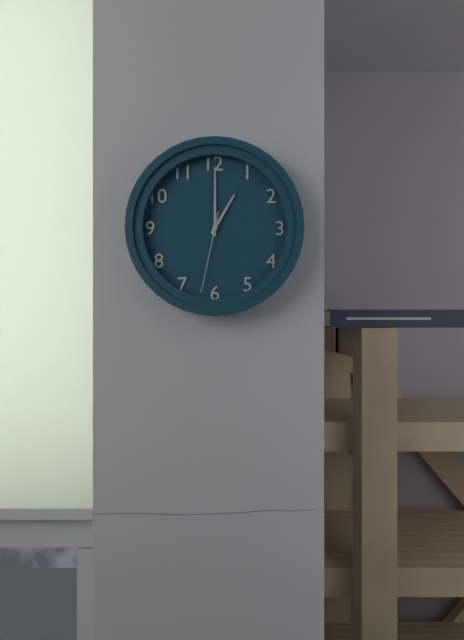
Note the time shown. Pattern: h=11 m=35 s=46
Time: h=1 m=0 s=32
